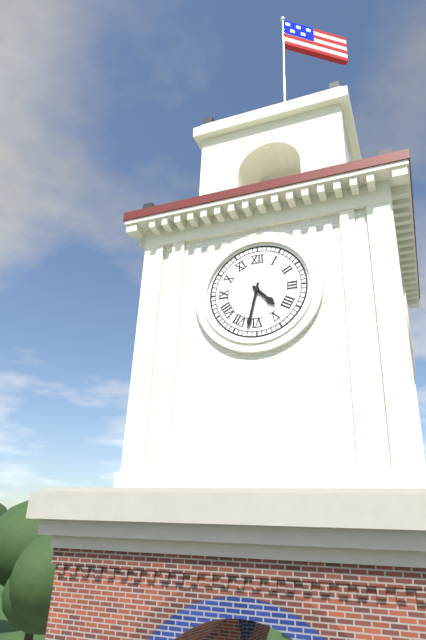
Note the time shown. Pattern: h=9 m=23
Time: h=4 m=32
